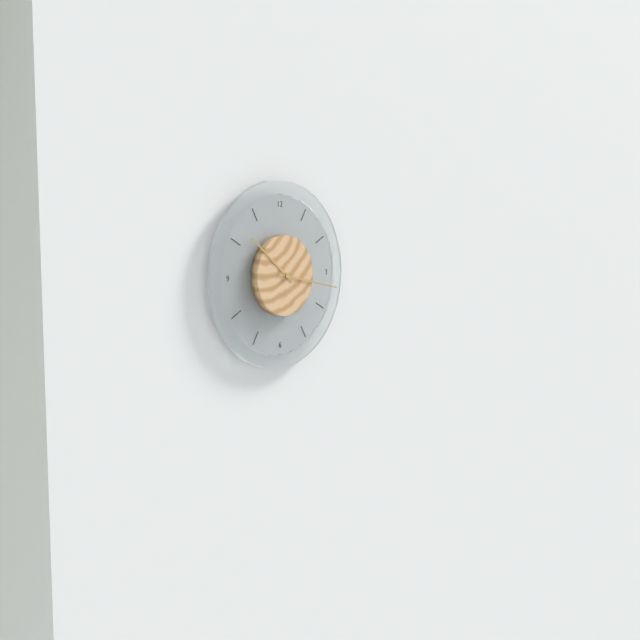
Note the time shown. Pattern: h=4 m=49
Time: h=10 m=17
